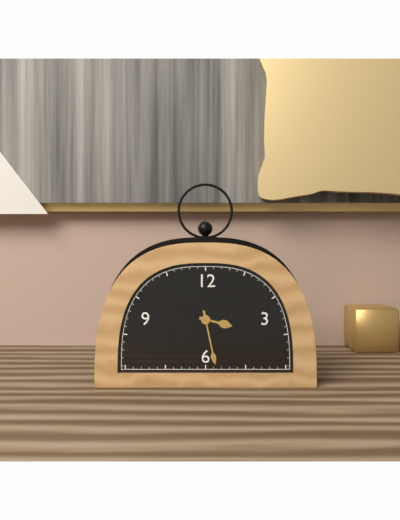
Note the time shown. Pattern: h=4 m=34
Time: h=3 m=28
